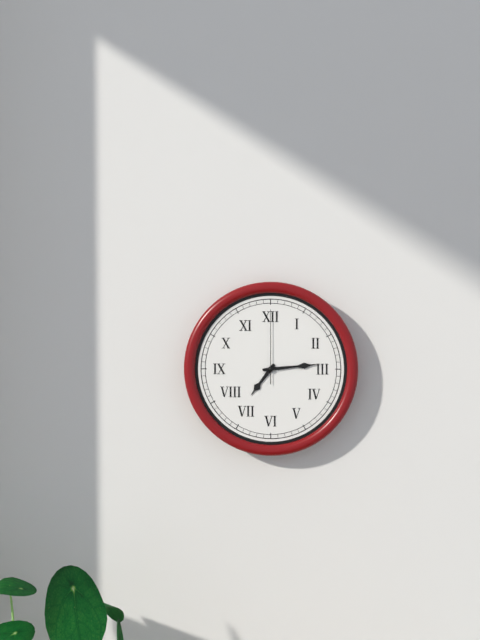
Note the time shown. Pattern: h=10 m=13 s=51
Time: h=7 m=14 s=0
